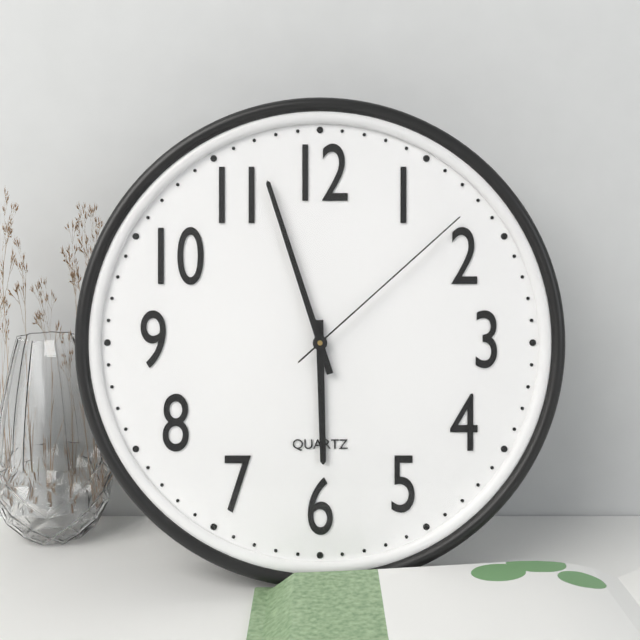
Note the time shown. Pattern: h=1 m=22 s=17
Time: h=5 m=57 s=8
